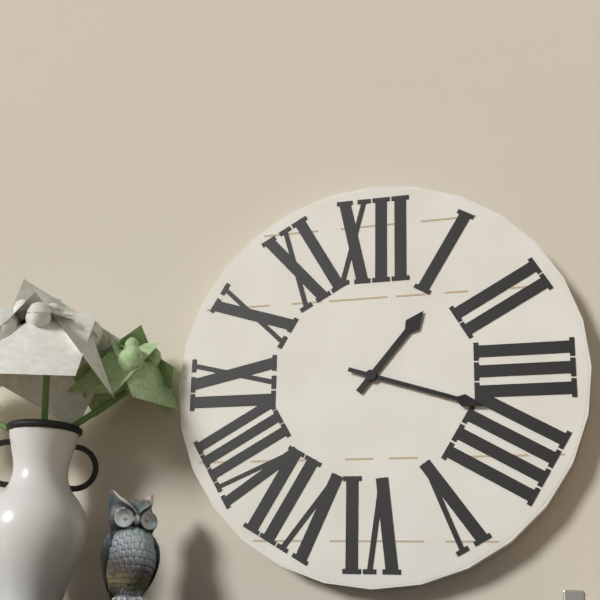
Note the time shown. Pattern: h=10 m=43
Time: h=1 m=18
